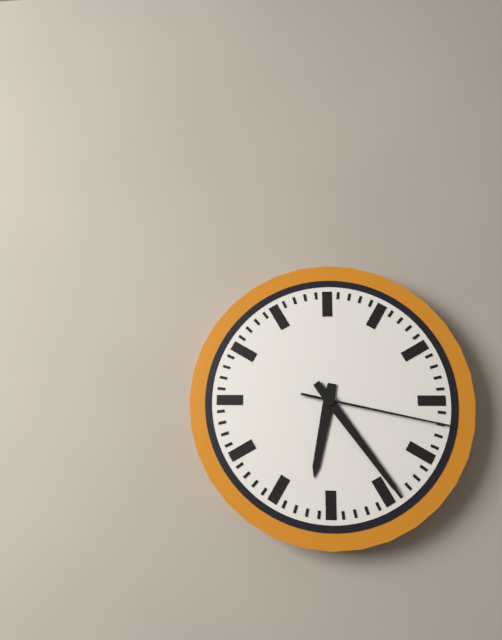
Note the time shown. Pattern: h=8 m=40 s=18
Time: h=6 m=24 s=17
